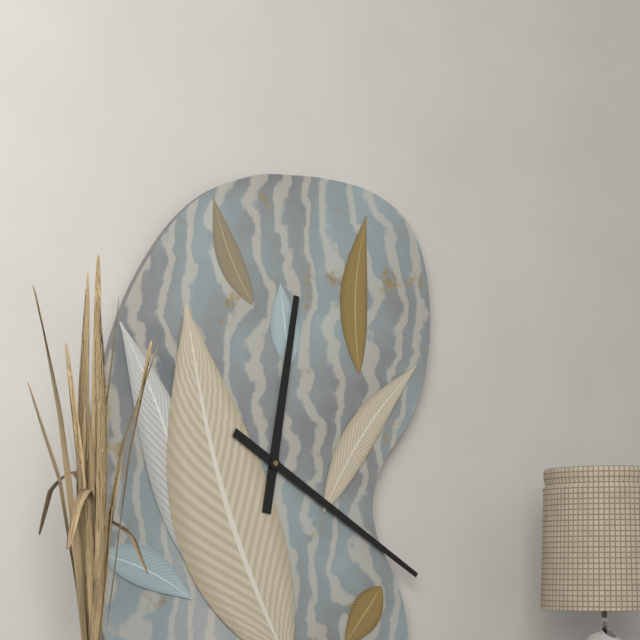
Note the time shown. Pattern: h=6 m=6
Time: h=12 m=20
